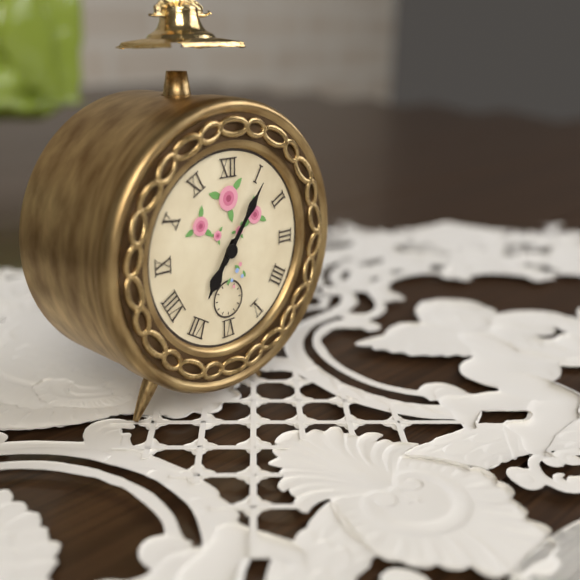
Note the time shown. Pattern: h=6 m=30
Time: h=7 m=6
